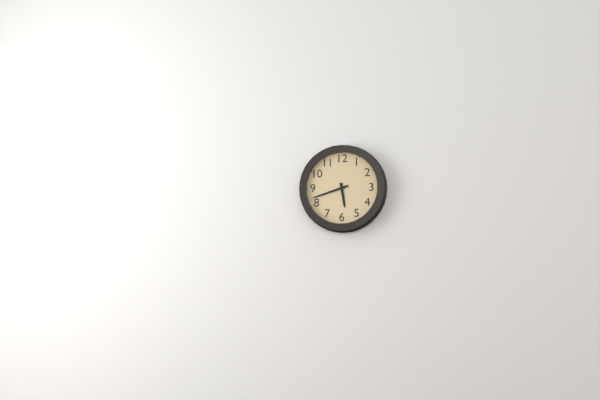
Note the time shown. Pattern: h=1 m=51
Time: h=5 m=42
